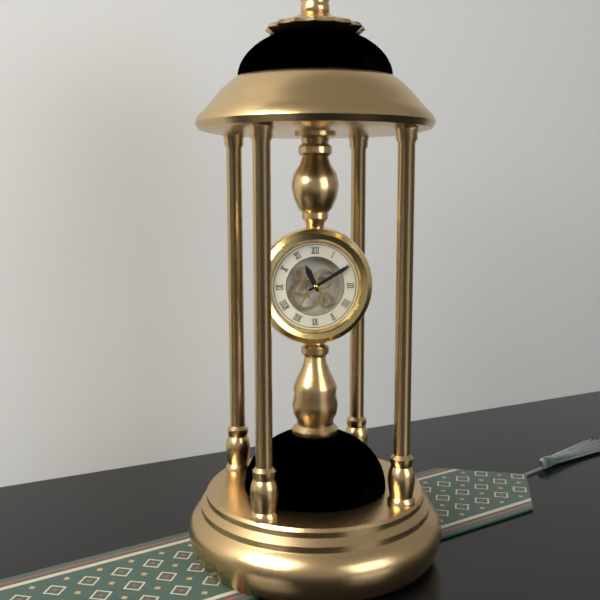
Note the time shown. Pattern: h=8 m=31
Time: h=11 m=10
